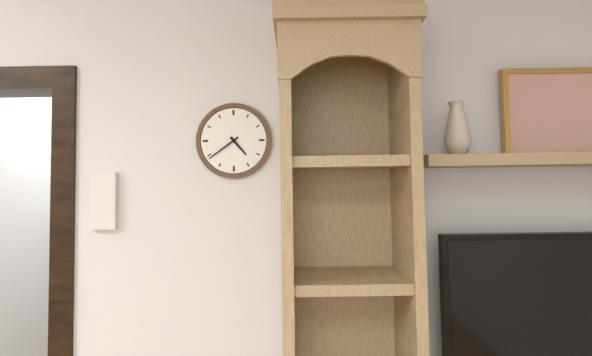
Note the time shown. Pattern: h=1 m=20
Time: h=4 m=39
